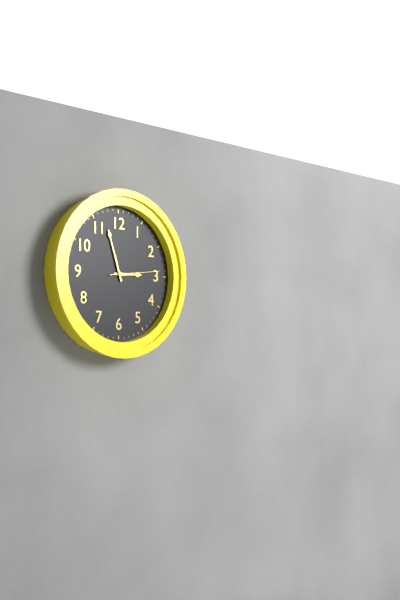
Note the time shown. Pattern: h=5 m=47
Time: h=2 m=57
